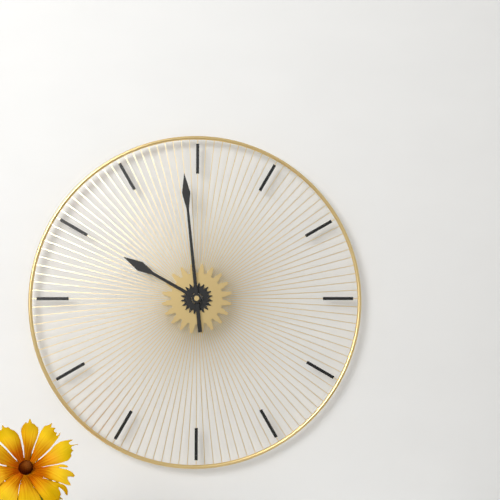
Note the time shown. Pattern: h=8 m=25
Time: h=9 m=59
